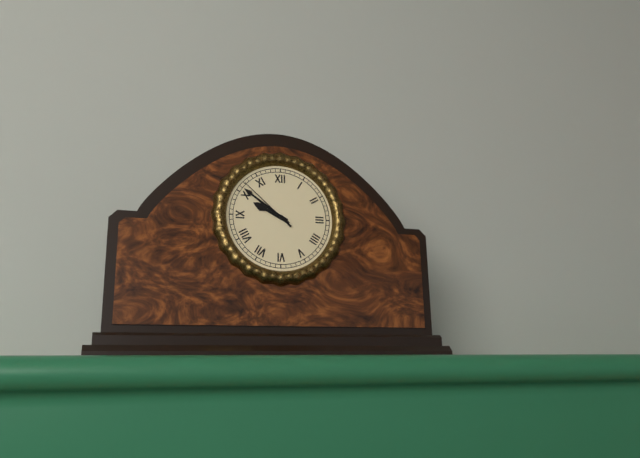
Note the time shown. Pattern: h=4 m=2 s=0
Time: h=9 m=51 s=52
